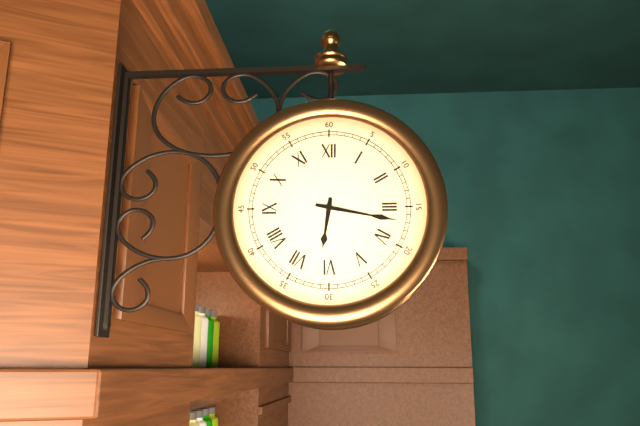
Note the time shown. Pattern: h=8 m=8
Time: h=6 m=17
